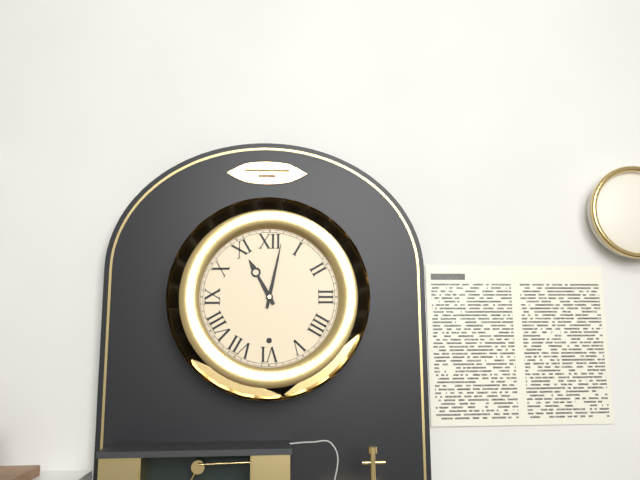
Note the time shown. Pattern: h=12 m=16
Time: h=11 m=2
